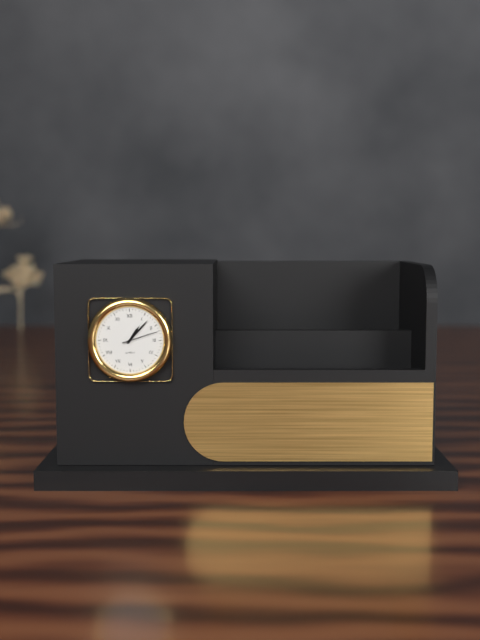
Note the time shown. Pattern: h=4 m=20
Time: h=1 m=7
